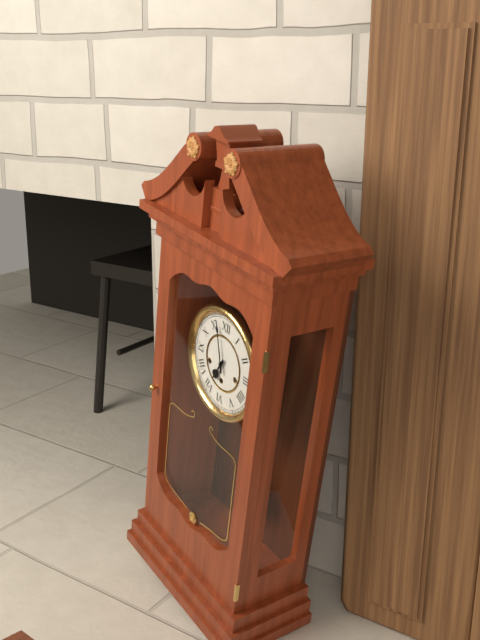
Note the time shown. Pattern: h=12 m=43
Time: h=6 m=57
